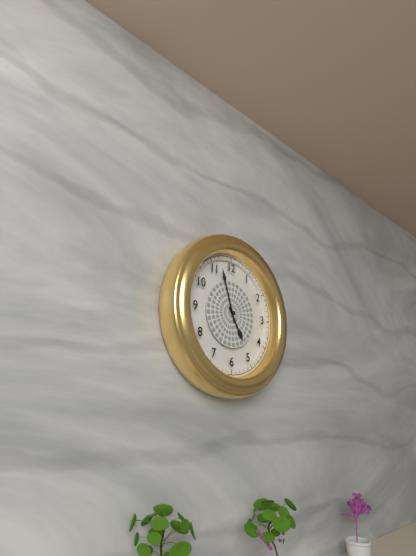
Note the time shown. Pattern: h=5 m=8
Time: h=4 m=57
